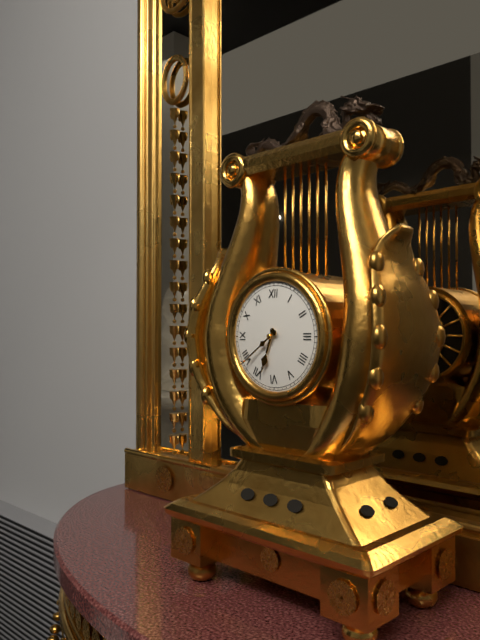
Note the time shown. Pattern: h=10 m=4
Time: h=6 m=39
